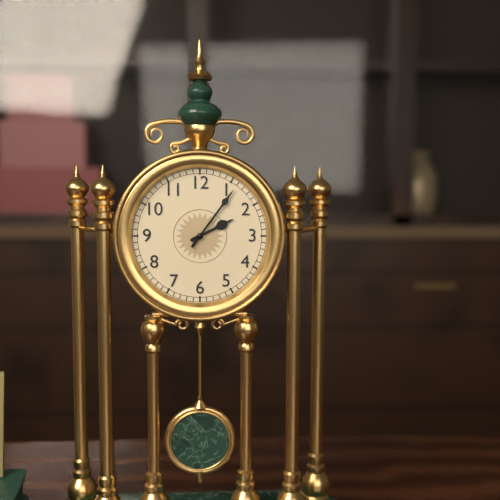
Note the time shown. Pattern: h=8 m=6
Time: h=2 m=6
